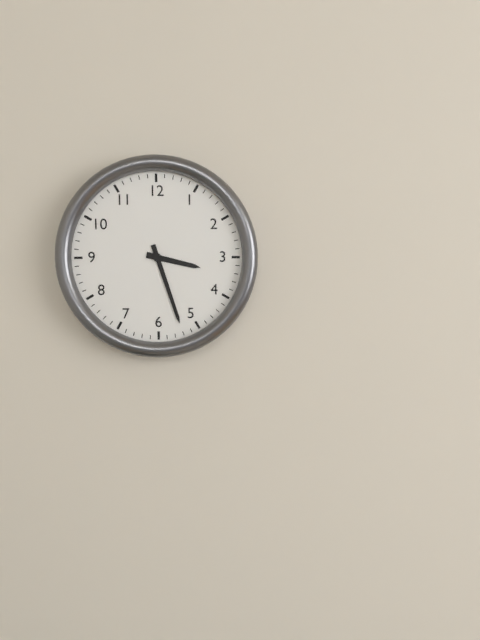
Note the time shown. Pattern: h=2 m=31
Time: h=3 m=27
